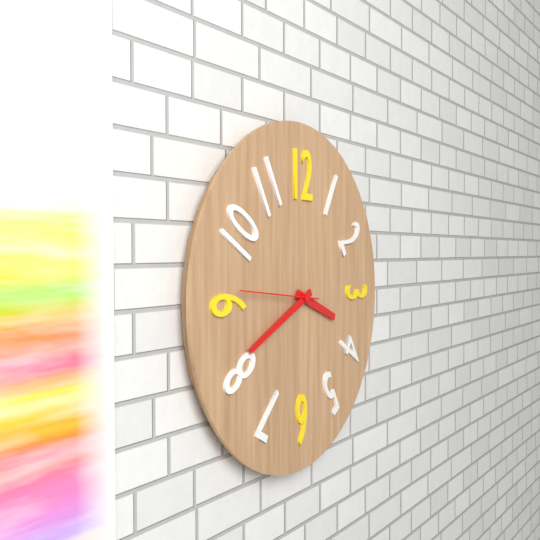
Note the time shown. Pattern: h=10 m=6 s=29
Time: h=3 m=41 s=46
